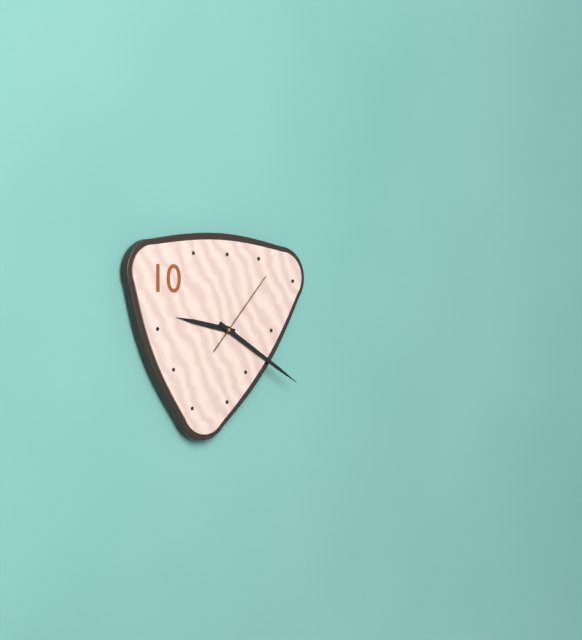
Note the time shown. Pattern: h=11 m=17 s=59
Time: h=9 m=20 s=7
